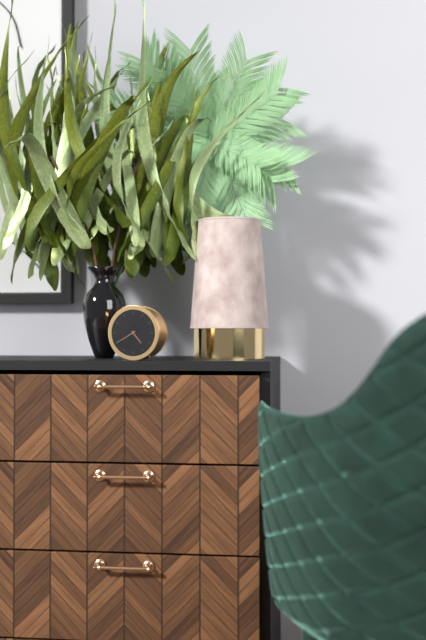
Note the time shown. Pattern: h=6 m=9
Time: h=4 m=40
